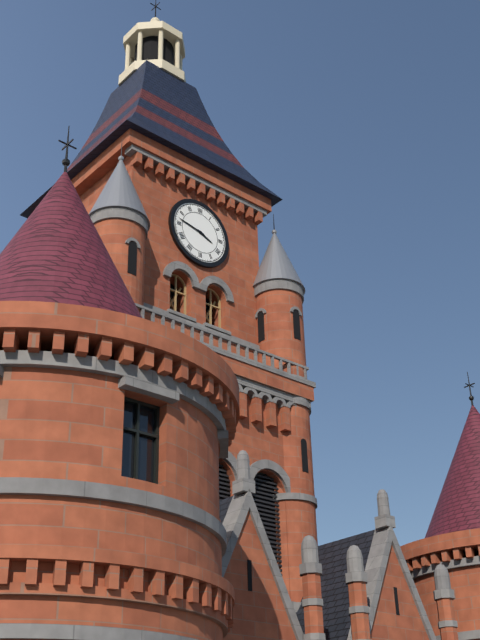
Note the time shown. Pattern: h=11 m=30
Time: h=3 m=47
